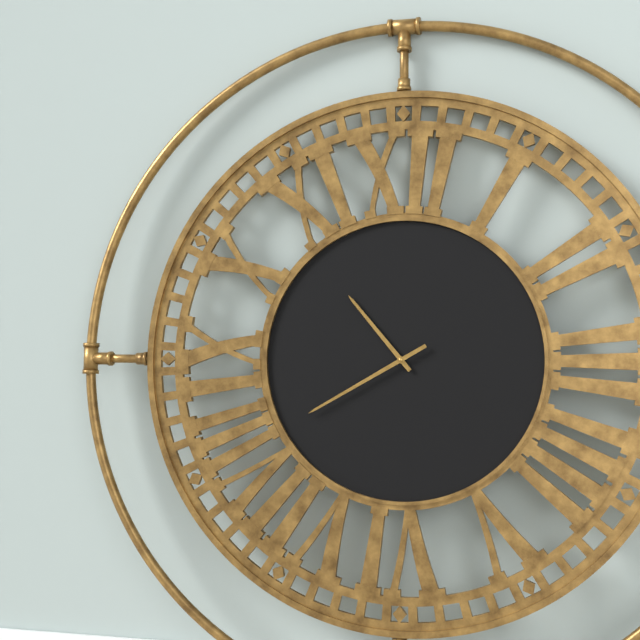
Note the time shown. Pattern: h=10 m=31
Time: h=10 m=40
